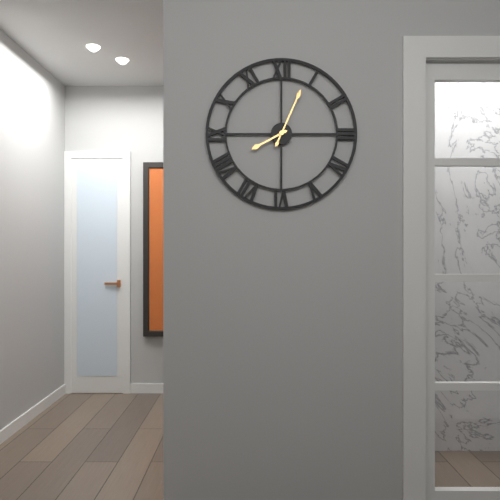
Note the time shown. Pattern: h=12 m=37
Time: h=8 m=4
